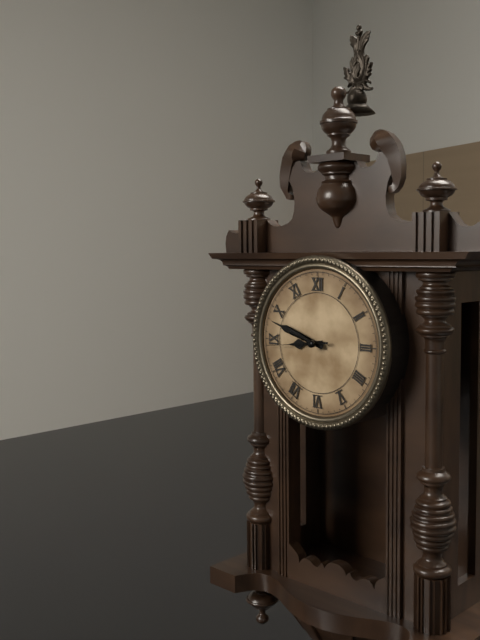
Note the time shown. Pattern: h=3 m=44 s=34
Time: h=8 m=48 s=44
